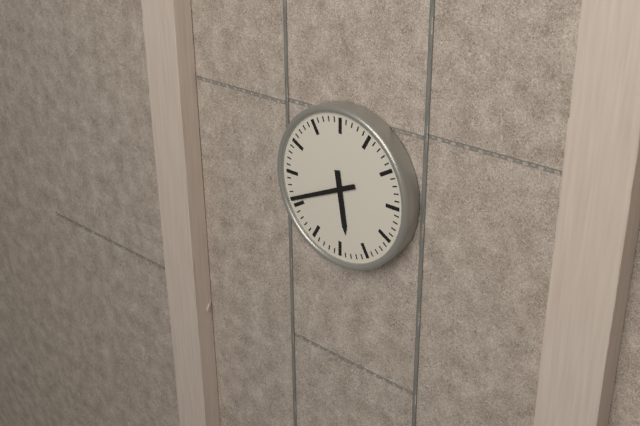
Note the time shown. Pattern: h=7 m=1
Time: h=5 m=41
